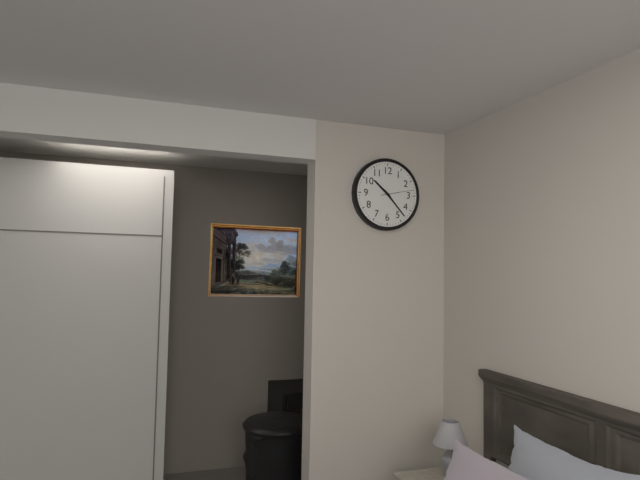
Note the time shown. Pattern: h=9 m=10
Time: h=10 m=23
